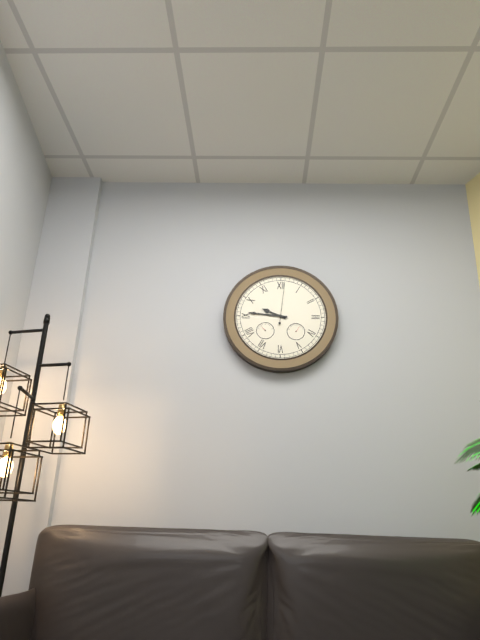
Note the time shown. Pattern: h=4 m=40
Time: h=9 m=46
